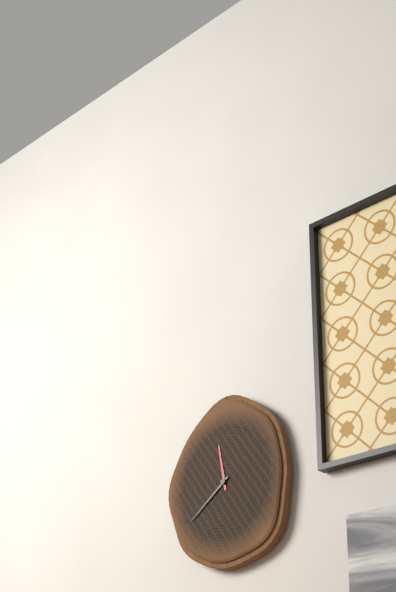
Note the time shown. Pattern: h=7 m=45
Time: h=11 m=39
